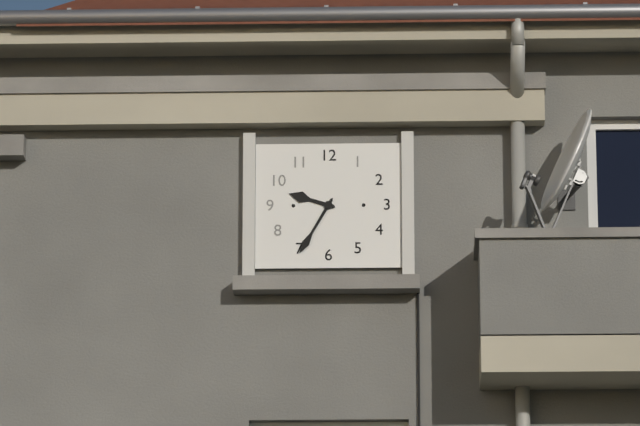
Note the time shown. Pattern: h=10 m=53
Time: h=9 m=35
